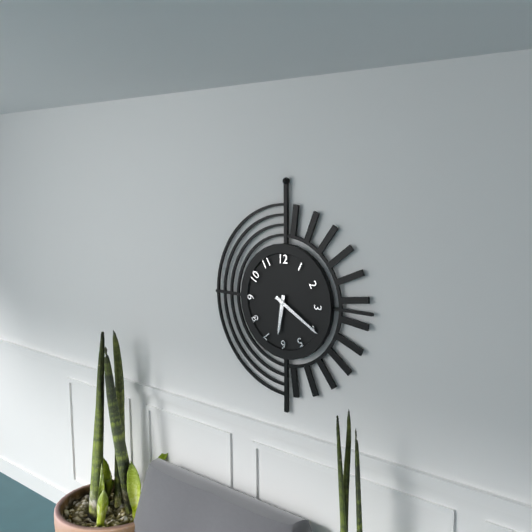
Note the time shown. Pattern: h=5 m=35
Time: h=6 m=20
